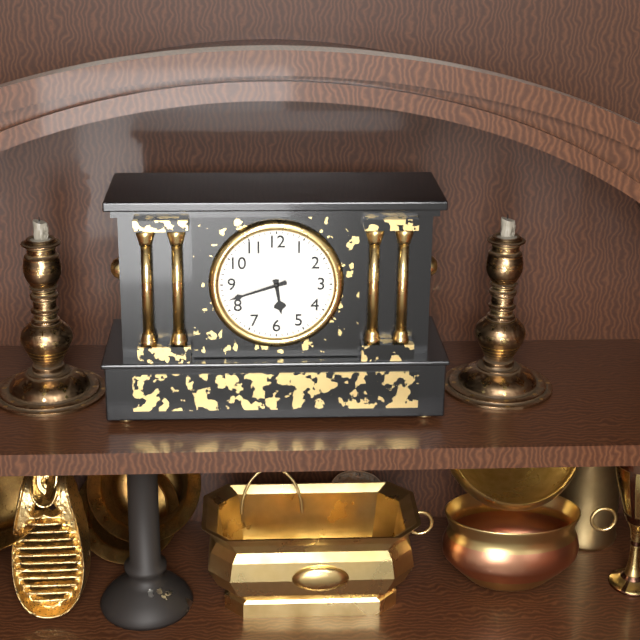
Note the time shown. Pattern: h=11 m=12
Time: h=5 m=42
